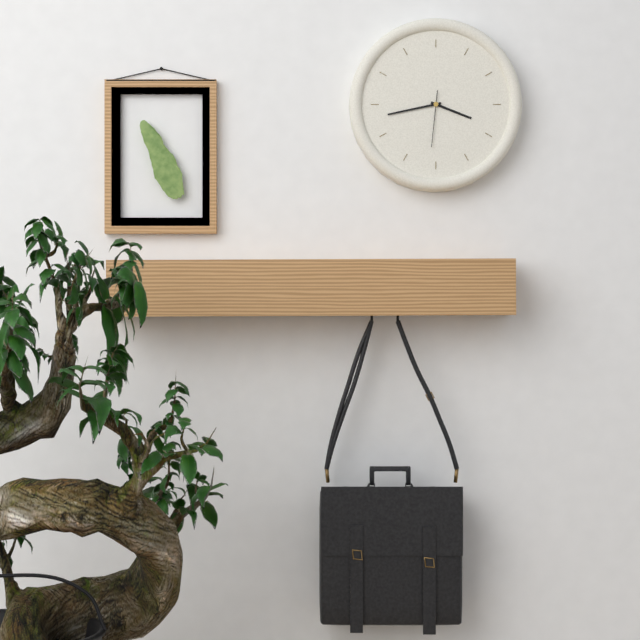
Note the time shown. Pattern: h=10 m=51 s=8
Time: h=3 m=43 s=31
